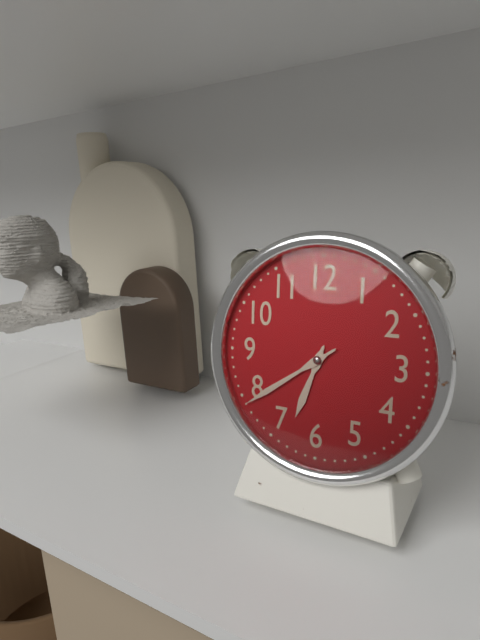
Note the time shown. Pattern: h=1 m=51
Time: h=6 m=39
